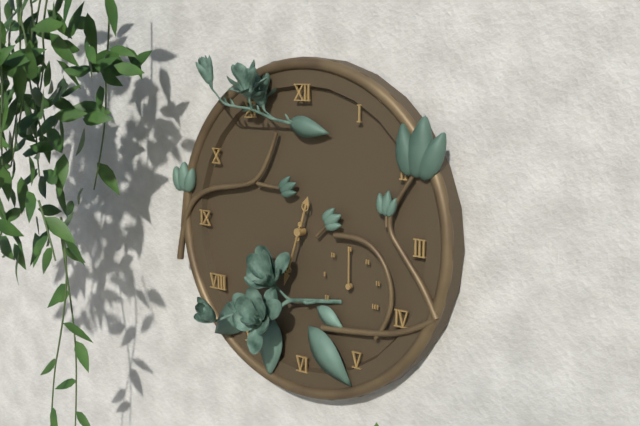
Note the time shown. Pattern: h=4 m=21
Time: h=12 m=33
